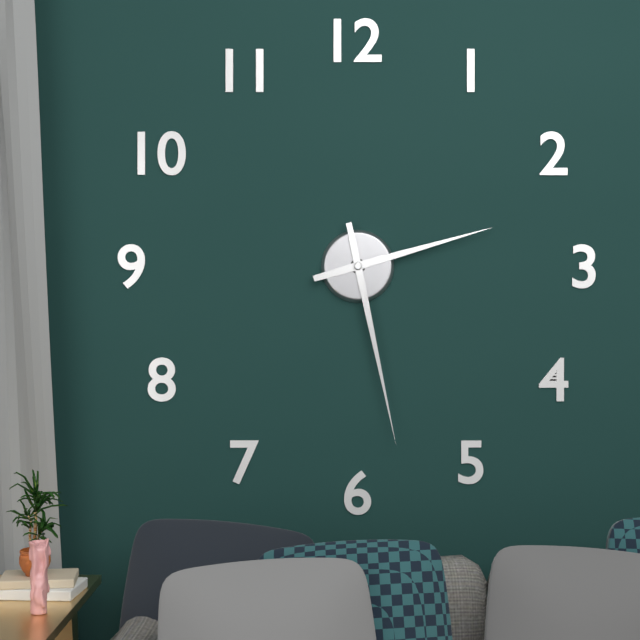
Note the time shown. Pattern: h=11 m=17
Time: h=2 m=28
